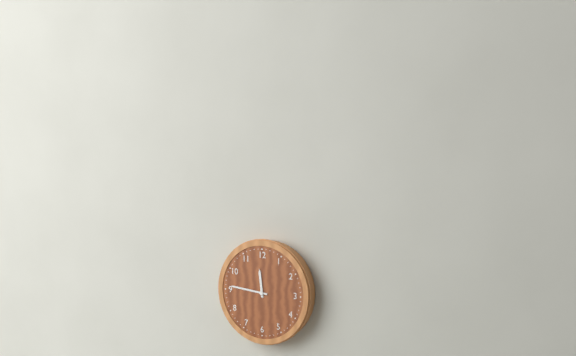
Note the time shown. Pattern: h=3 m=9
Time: h=11 m=46
